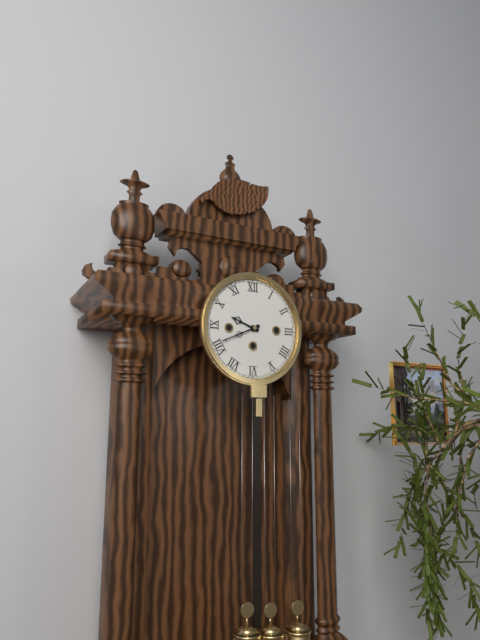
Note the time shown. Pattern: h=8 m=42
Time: h=9 m=41
